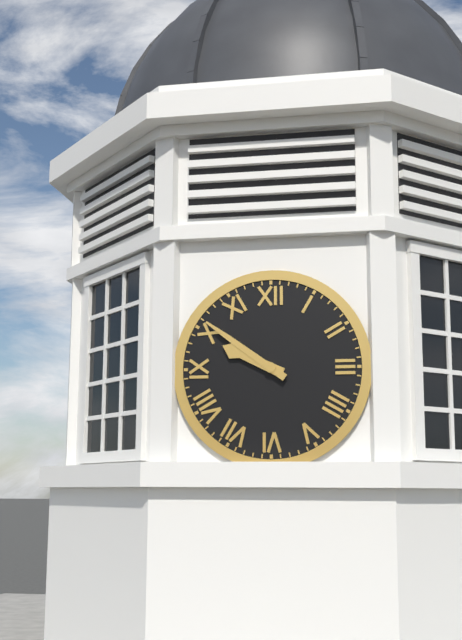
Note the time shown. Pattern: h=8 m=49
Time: h=9 m=51
